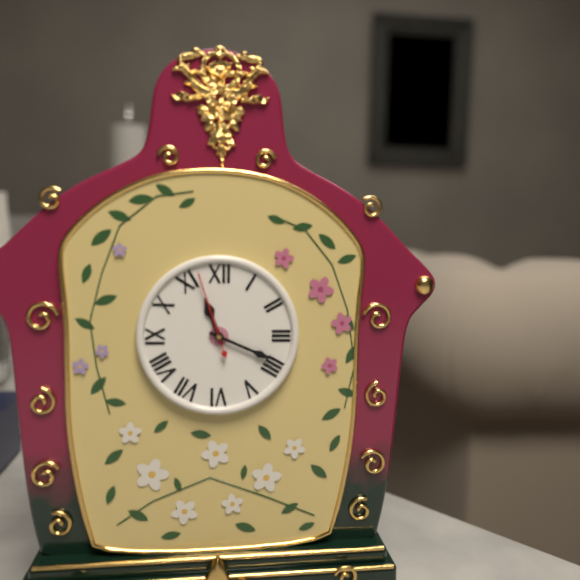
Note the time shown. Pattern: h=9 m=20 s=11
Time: h=11 m=19 s=57
